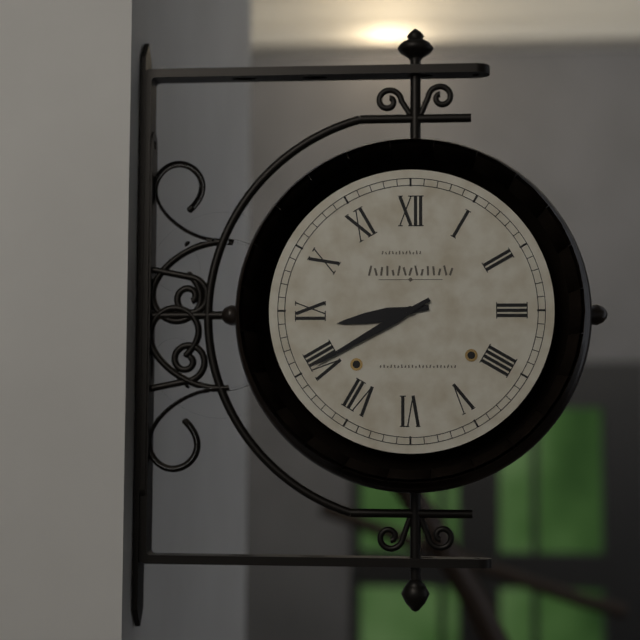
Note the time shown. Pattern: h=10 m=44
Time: h=8 m=40
